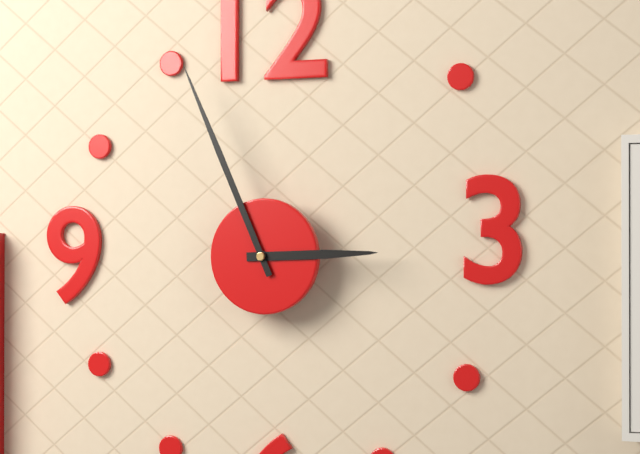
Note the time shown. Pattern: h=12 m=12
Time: h=2 m=56
